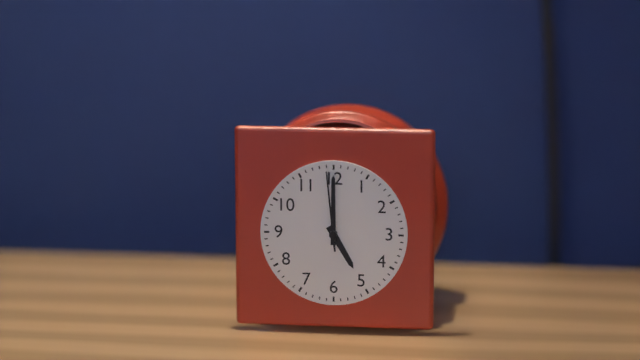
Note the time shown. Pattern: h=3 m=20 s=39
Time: h=5 m=0 s=59
